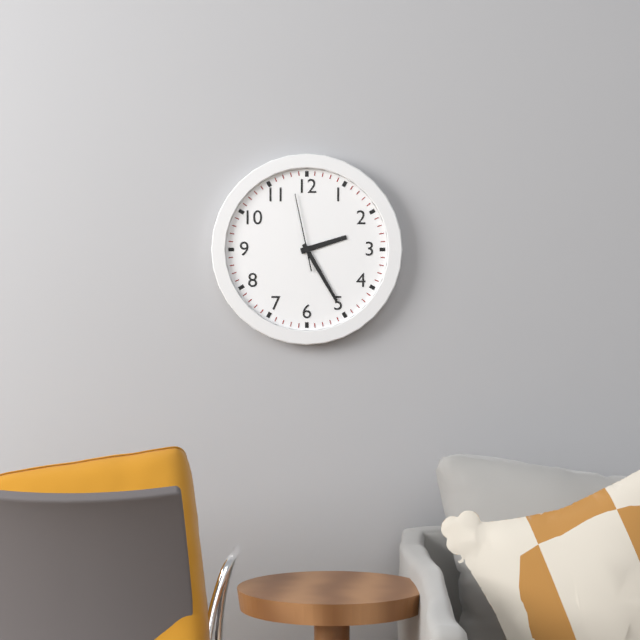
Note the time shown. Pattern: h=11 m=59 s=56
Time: h=2 m=25 s=58
